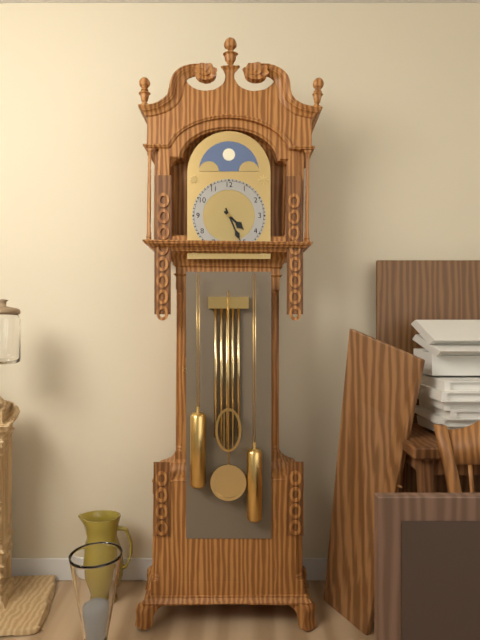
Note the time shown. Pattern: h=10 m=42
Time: h=4 m=26
